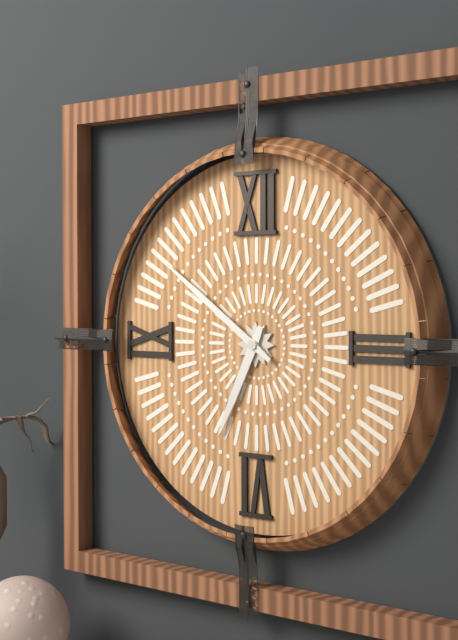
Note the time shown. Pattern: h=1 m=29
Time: h=6 m=51
